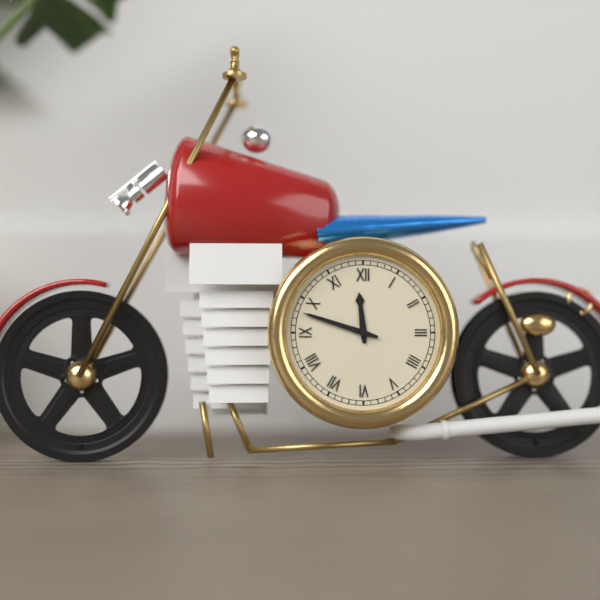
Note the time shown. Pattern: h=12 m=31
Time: h=11 m=48
